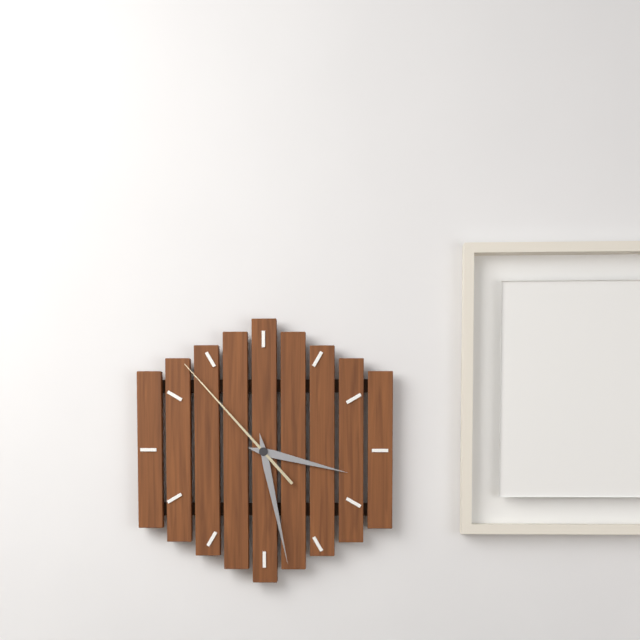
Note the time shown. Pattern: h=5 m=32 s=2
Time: h=3 m=28 s=53
